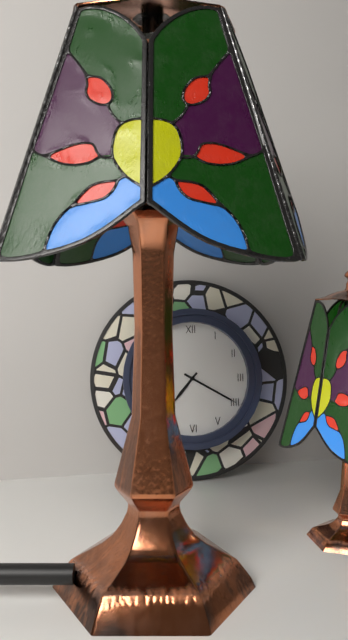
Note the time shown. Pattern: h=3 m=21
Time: h=7 m=20
